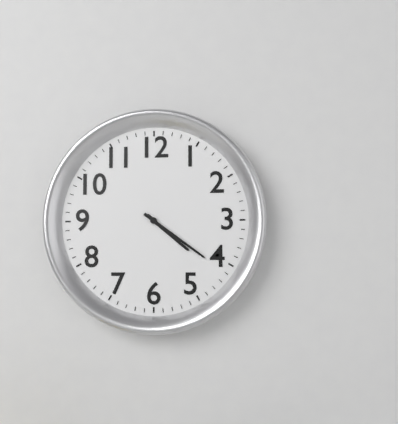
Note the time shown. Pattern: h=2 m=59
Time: h=4 m=21
